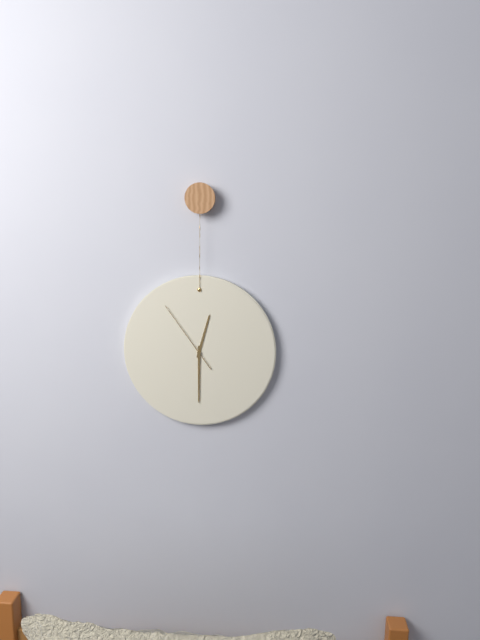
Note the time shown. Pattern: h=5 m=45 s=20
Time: h=12 m=30 s=54
